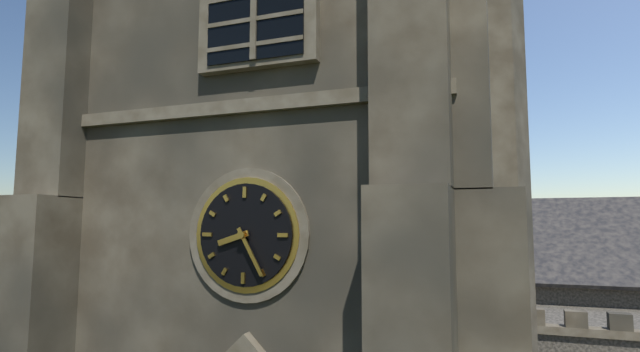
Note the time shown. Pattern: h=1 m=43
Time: h=8 m=25
